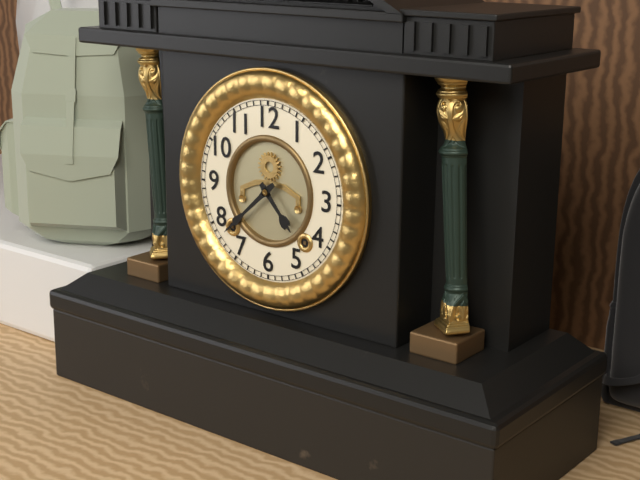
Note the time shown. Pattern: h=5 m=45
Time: h=4 m=38
